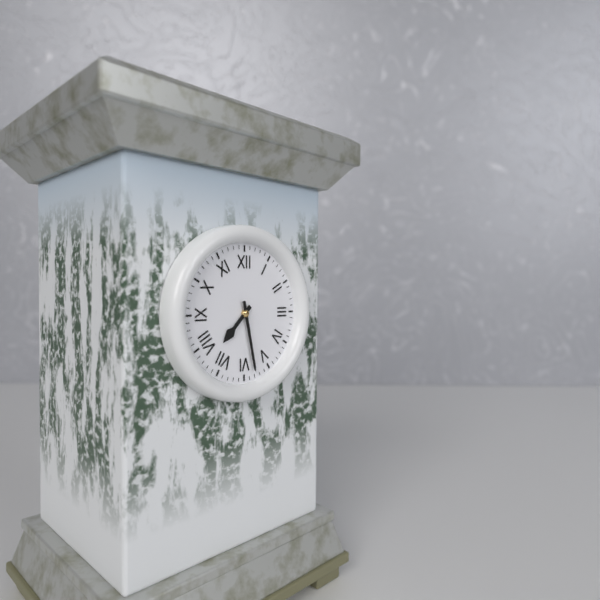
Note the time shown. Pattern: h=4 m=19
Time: h=7 m=28
